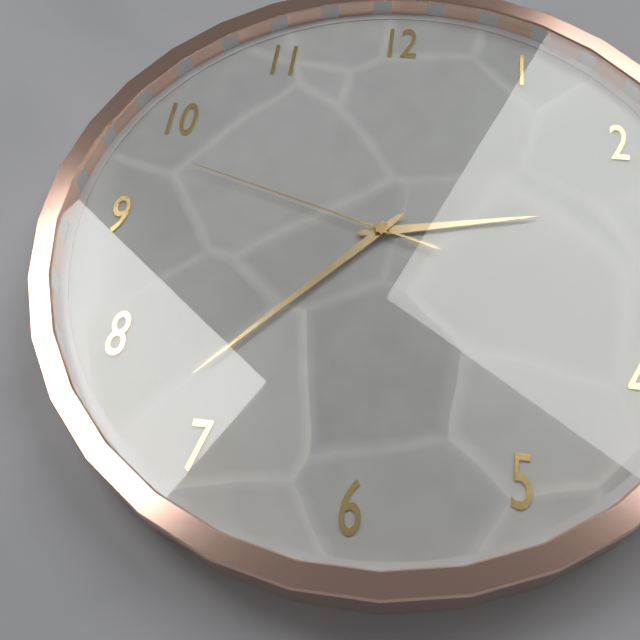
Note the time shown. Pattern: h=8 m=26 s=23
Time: h=2 m=37 s=48
